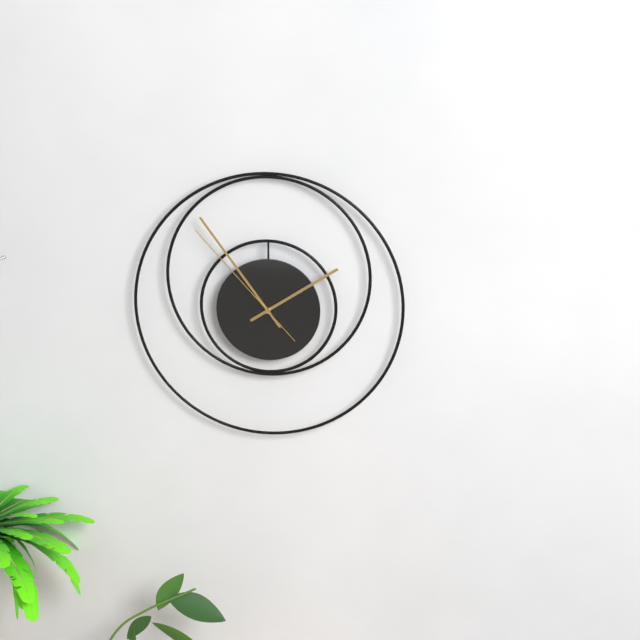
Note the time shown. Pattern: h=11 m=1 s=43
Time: h=1 m=54 s=53
